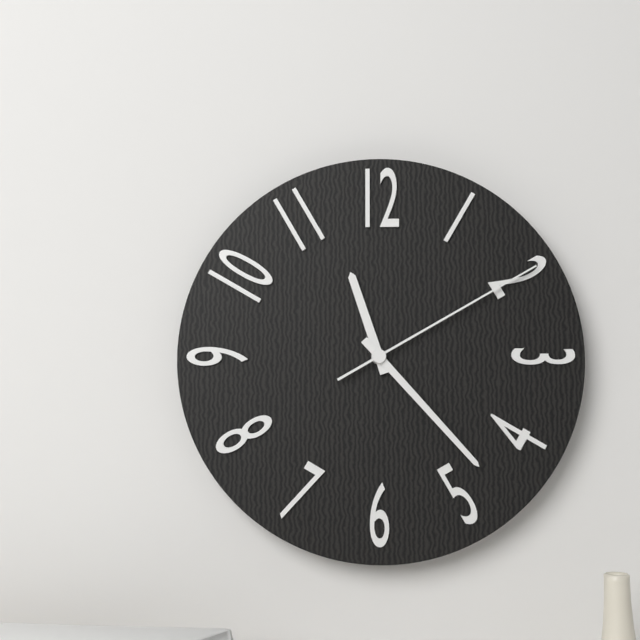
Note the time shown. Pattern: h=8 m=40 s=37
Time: h=11 m=23 s=10
